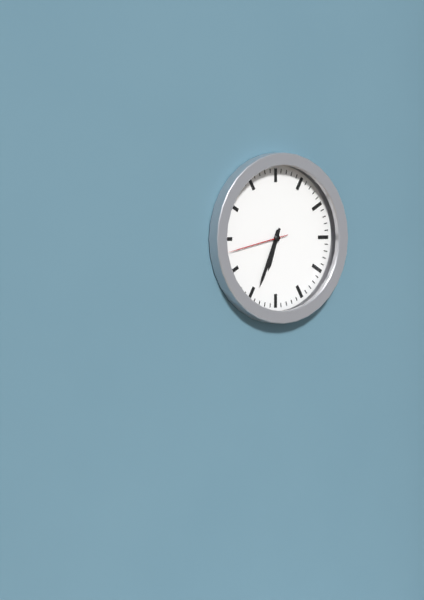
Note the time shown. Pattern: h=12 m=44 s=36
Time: h=6 m=34 s=43
